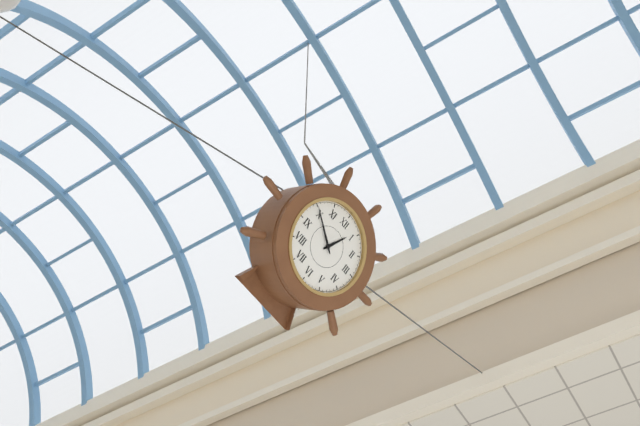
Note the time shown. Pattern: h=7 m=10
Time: h=12 m=50
